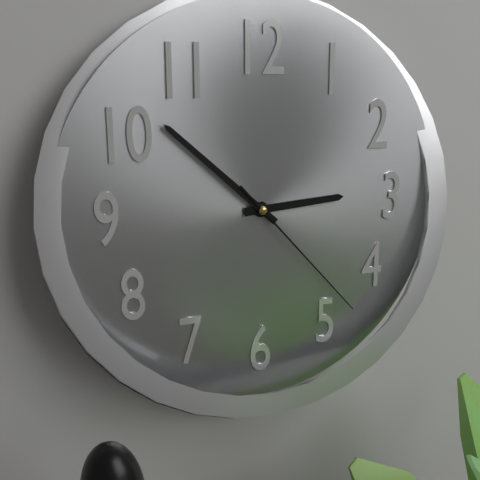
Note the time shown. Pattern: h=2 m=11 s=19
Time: h=2 m=52 s=23
